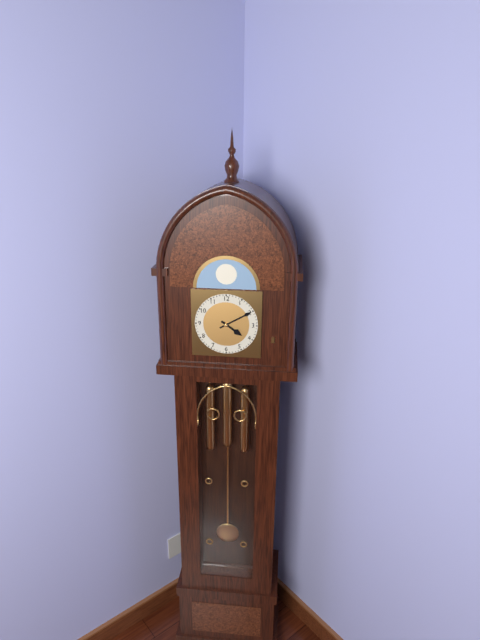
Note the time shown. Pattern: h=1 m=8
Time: h=4 m=10
